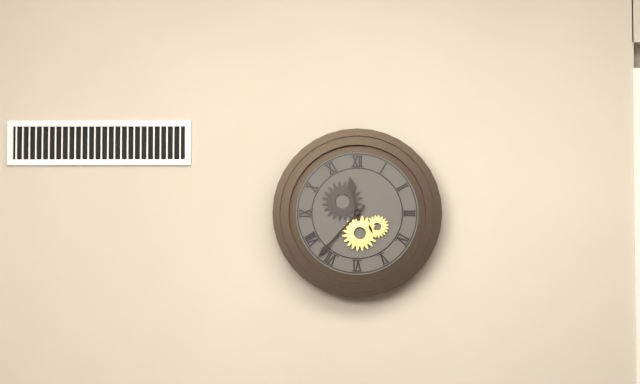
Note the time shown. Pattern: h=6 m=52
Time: h=11 m=37
